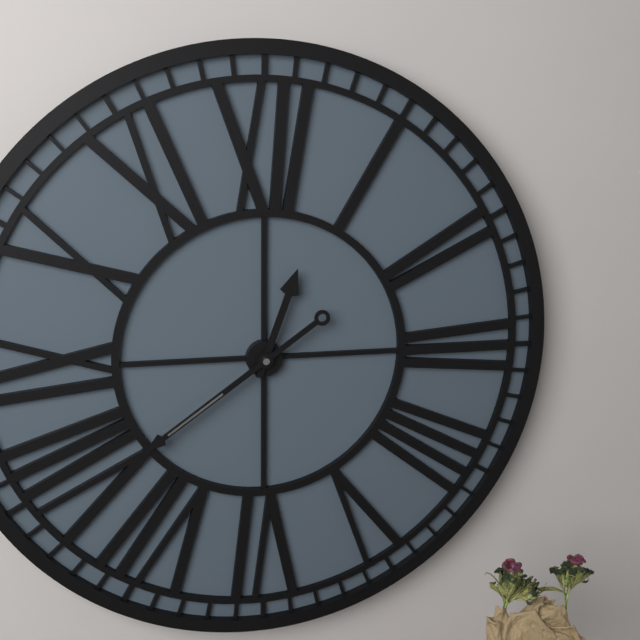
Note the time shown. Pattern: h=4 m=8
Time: h=12 m=39
